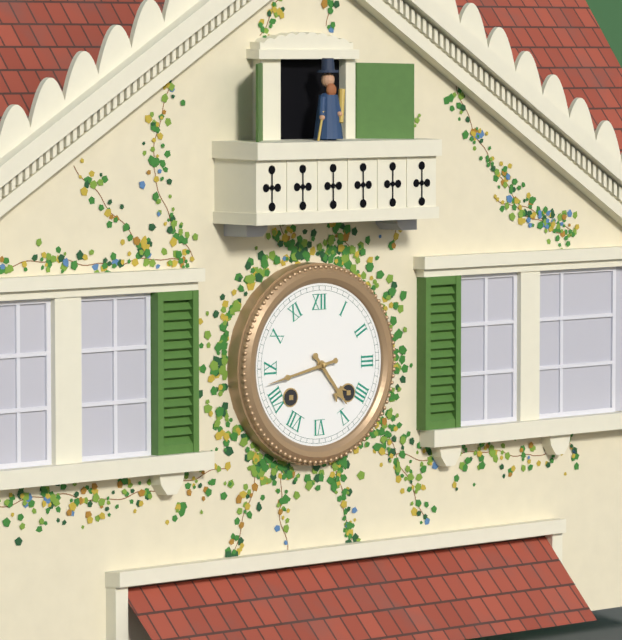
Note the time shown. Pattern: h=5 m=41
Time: h=4 m=43
